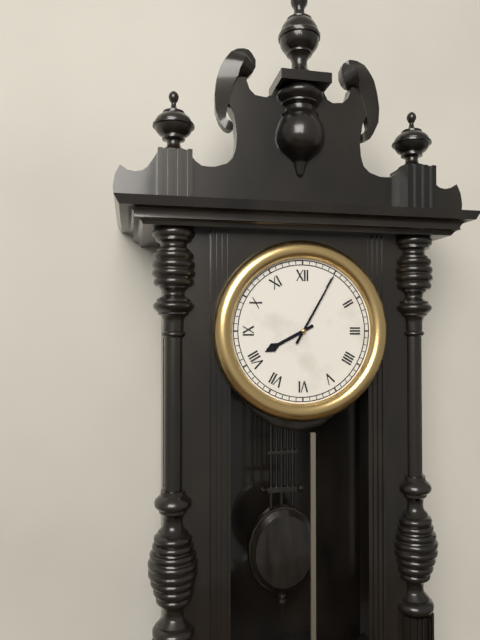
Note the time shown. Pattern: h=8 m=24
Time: h=8 m=5
